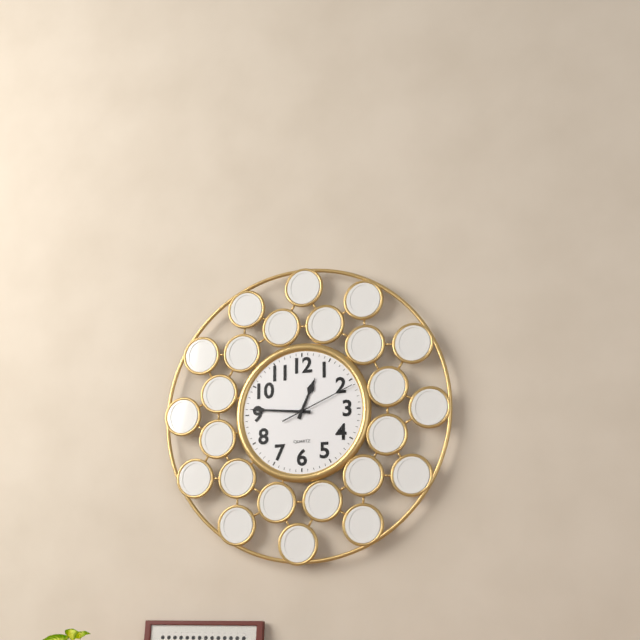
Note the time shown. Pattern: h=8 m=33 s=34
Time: h=12 m=46 s=11
